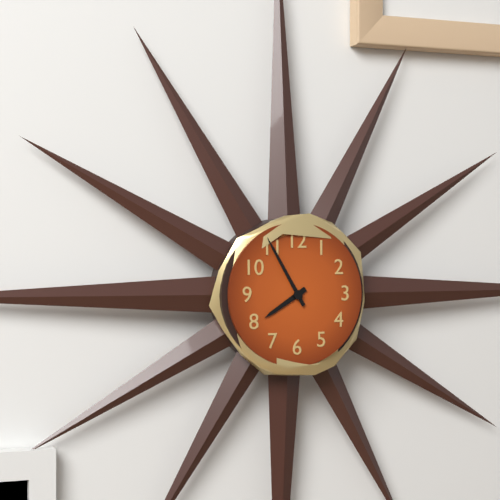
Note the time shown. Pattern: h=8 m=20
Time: h=7 m=55
